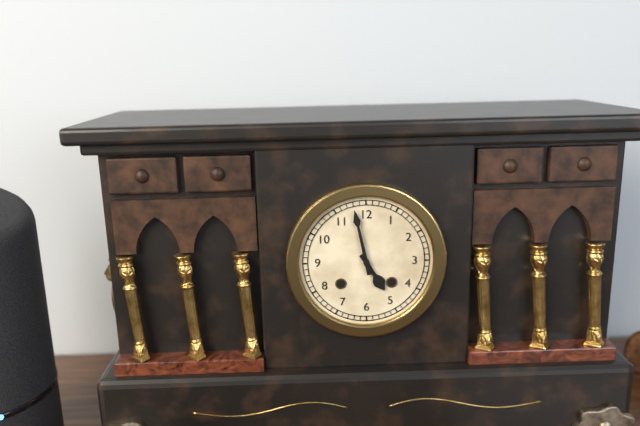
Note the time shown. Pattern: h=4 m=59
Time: h=4 m=58
